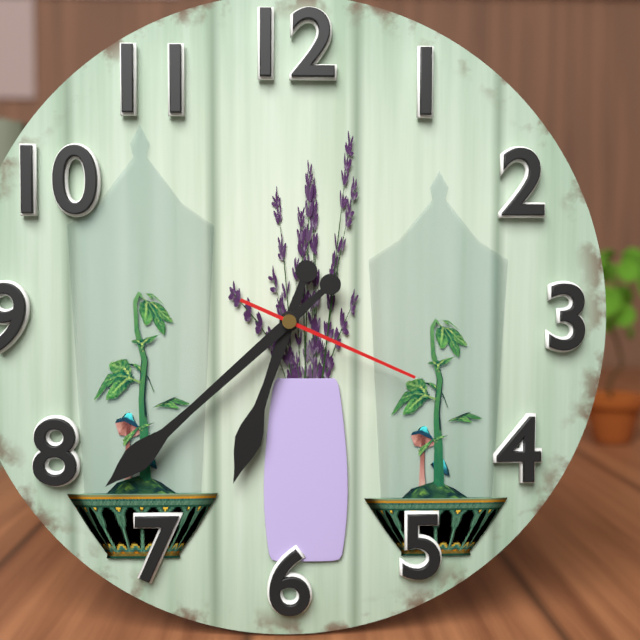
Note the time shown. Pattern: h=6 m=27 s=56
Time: h=6 m=38 s=19
